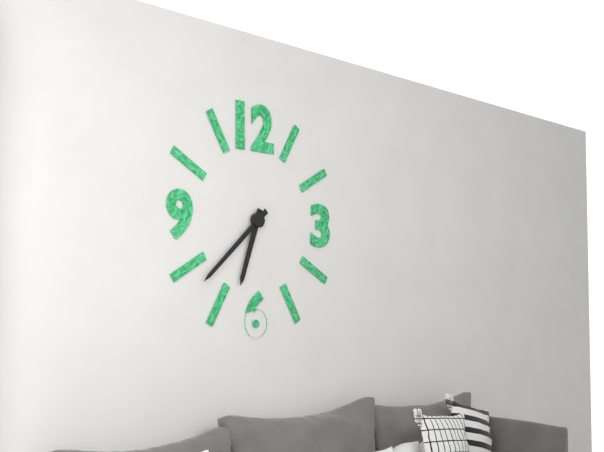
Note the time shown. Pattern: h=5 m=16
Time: h=6 m=38
